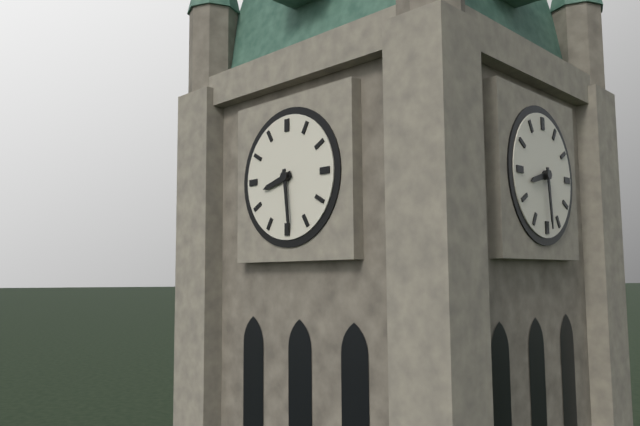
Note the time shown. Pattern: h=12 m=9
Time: h=8 m=29
